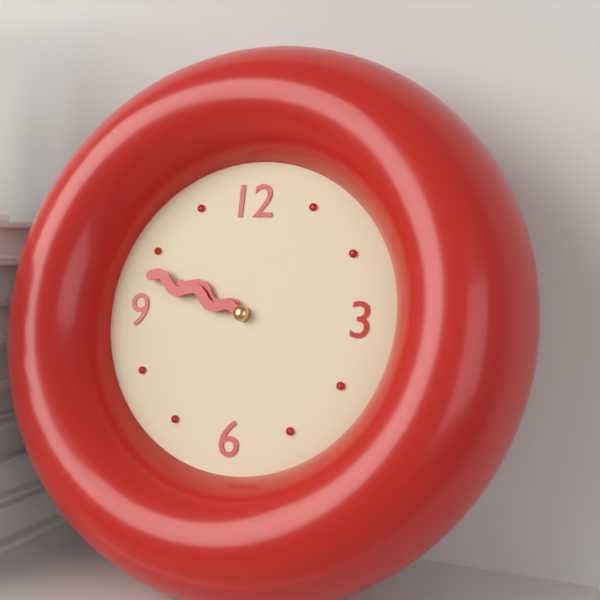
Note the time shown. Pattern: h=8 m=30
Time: h=9 m=48
